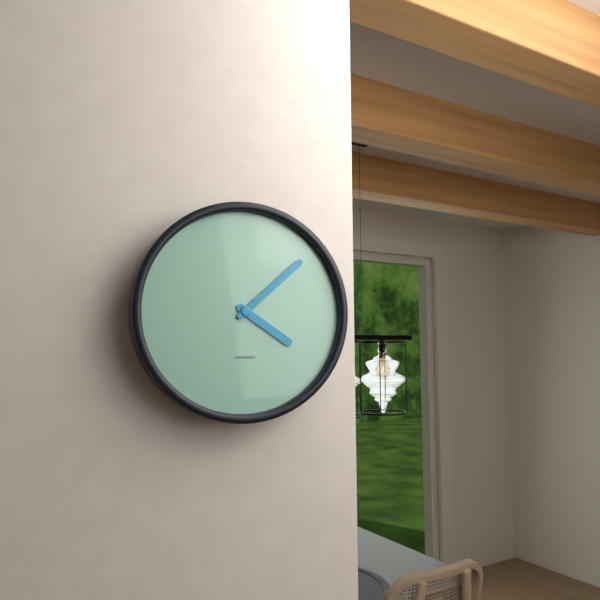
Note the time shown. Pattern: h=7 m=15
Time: h=4 m=8
